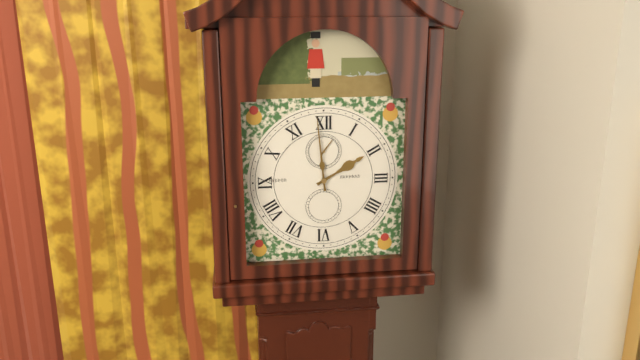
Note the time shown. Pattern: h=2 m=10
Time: h=1 m=59
